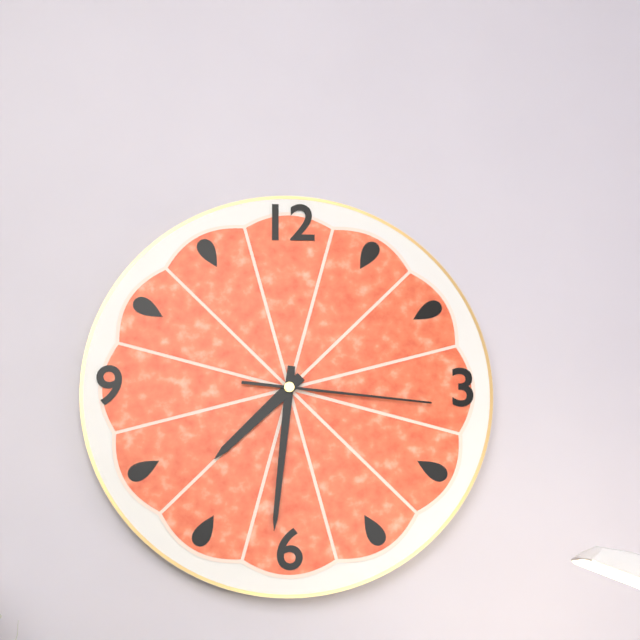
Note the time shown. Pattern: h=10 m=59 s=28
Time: h=7 m=31 s=16
